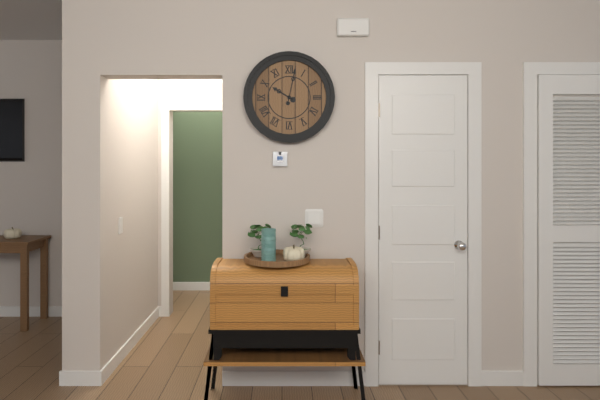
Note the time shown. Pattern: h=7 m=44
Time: h=10 m=2
